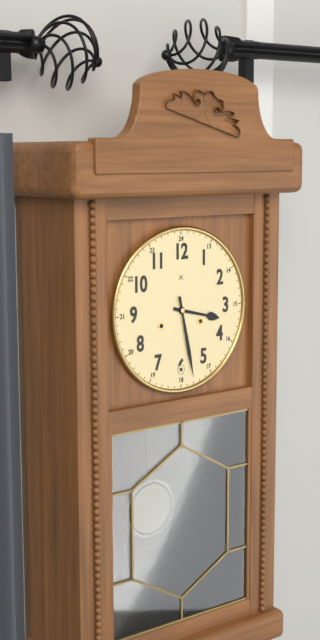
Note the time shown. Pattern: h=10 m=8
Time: h=3 m=28
